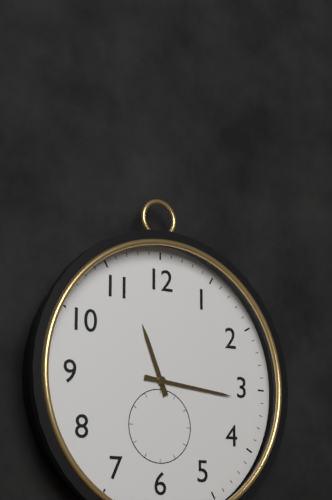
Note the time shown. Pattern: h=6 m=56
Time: h=11 m=16
